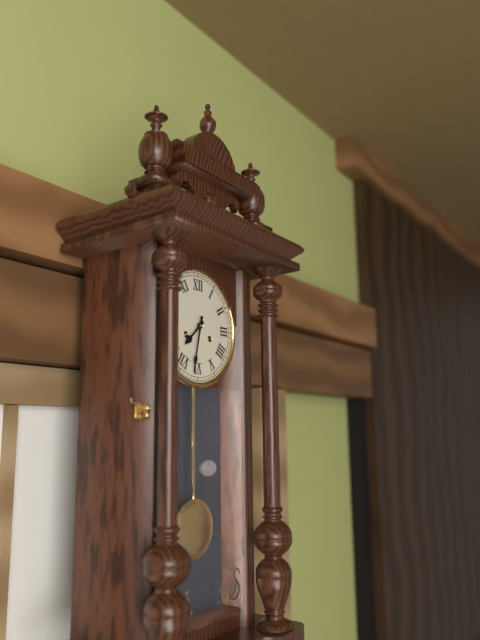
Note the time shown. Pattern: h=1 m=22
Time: h=7 m=32
